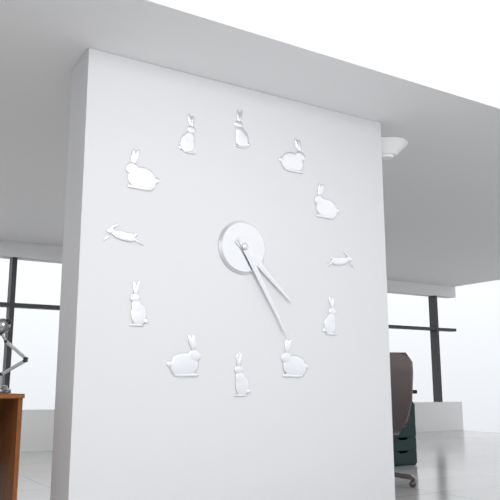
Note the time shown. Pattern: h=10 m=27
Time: h=4 m=25
